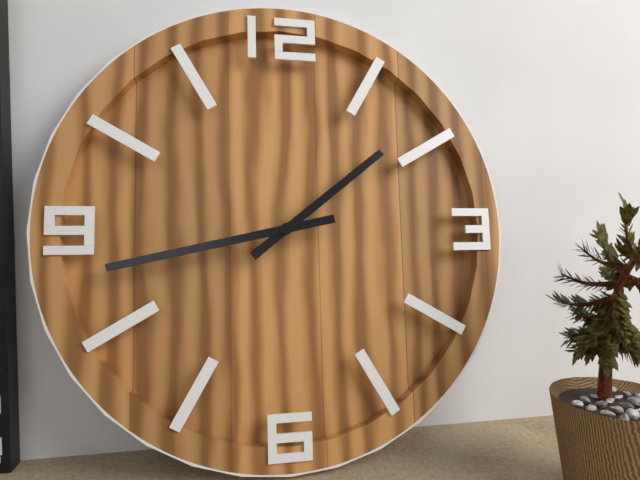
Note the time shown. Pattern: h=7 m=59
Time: h=1 m=43
